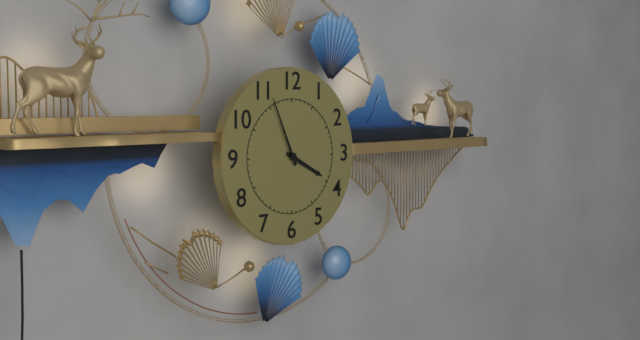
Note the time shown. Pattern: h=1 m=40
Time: h=3 m=56
